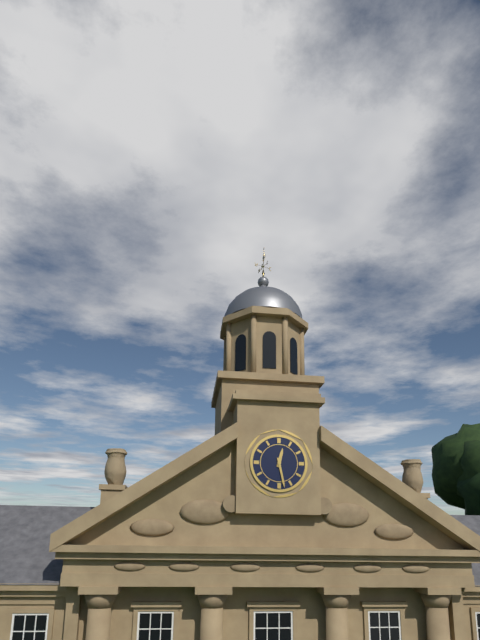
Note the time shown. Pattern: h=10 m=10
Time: h=12 m=28
